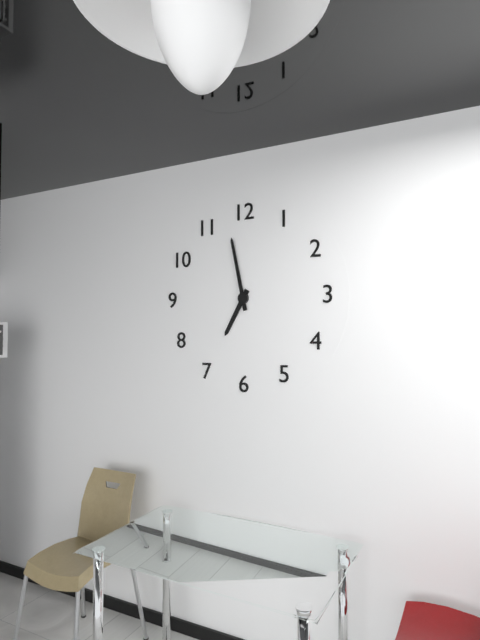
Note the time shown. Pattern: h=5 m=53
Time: h=6 m=58
